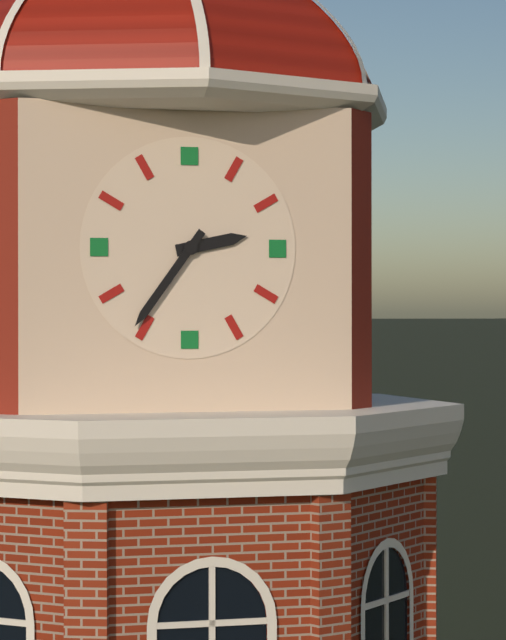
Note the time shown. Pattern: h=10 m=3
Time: h=2 m=36
